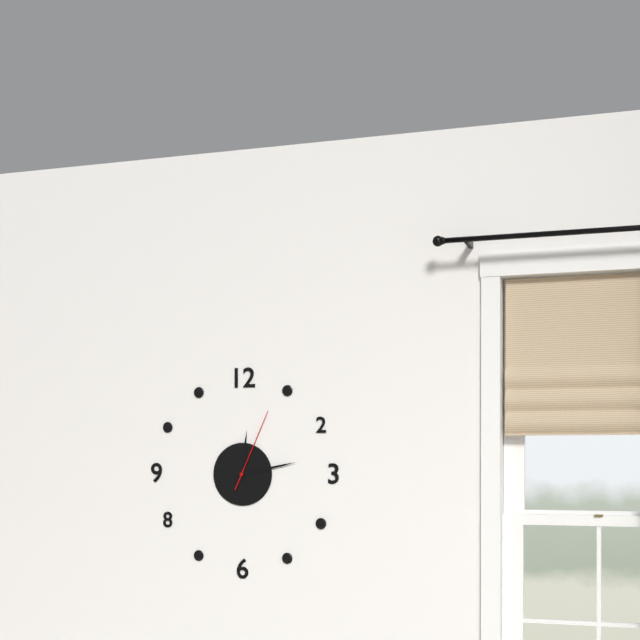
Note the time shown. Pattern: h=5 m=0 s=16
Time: h=12 m=13 s=4
